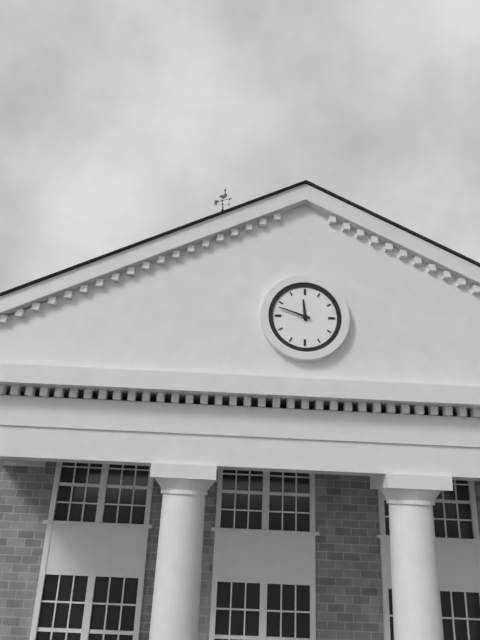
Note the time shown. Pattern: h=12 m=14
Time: h=11 m=48
